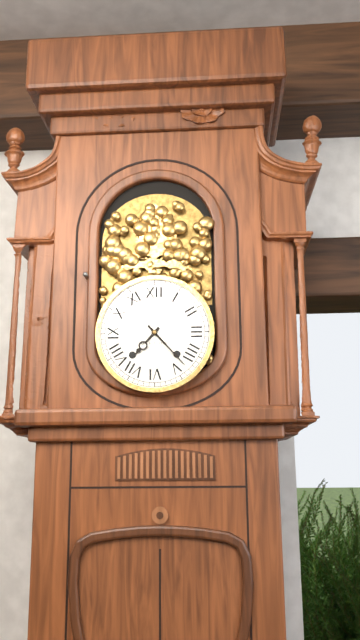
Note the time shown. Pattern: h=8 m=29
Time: h=7 m=23
